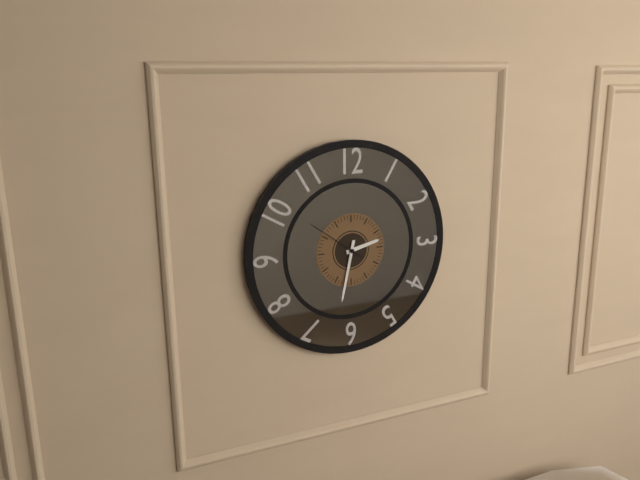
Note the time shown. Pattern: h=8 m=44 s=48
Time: h=2 m=32 s=51
